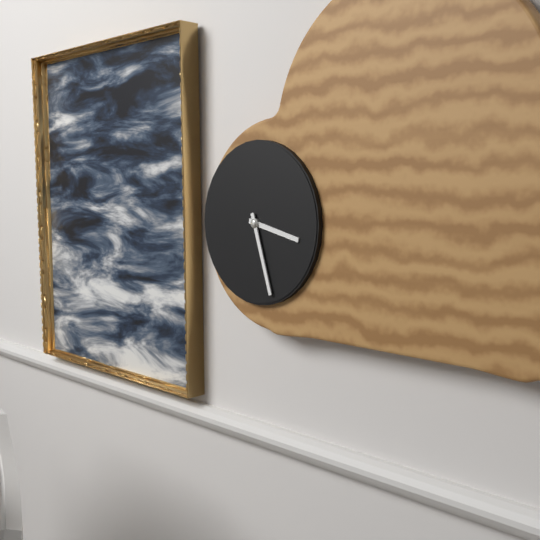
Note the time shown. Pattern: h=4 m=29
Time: h=3 m=27
